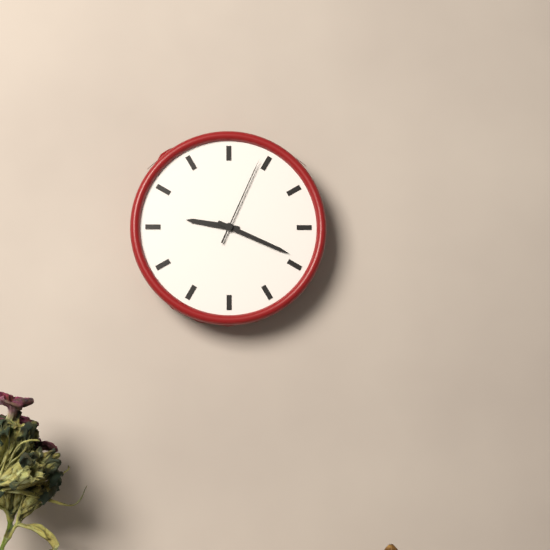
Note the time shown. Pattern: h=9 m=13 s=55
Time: h=9 m=19 s=4
